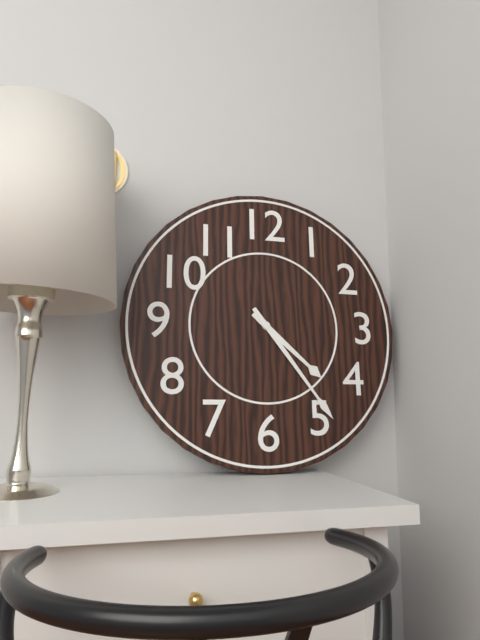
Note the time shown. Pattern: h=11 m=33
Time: h=4 m=24
